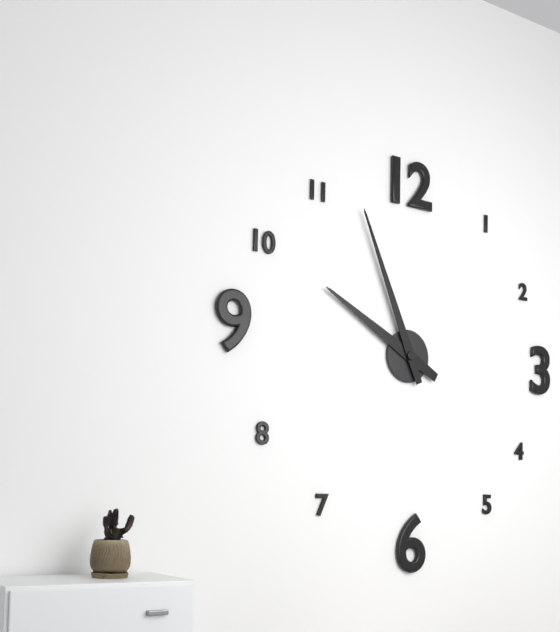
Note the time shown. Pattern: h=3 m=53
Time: h=9 m=56
